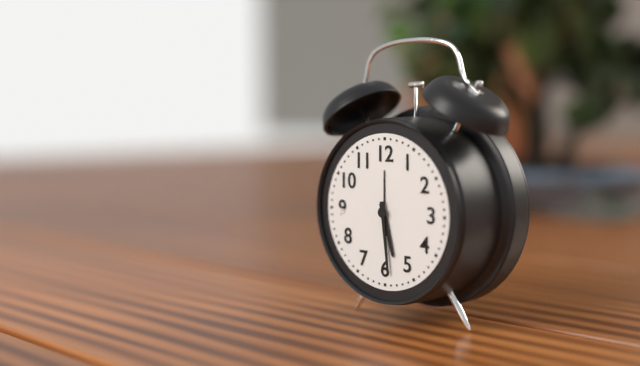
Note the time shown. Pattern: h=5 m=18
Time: h=5 m=29
